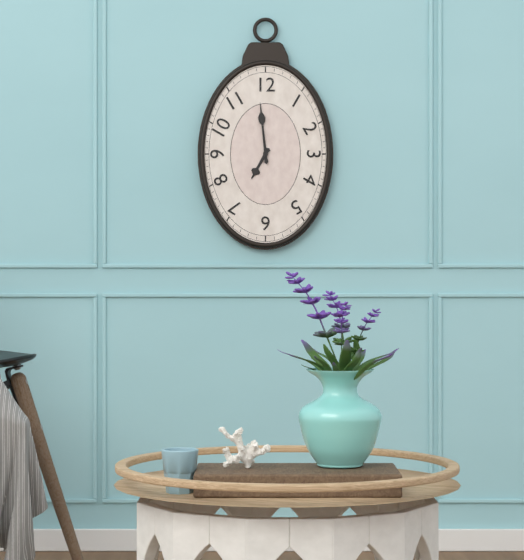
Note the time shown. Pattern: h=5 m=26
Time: h=6 m=59
